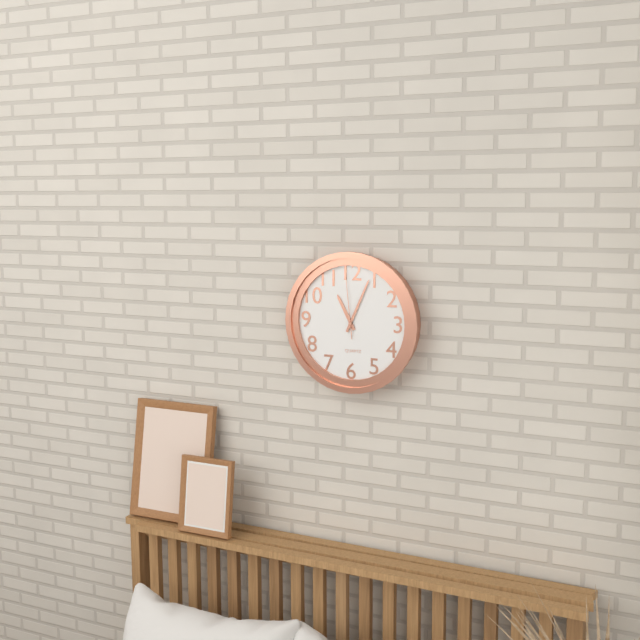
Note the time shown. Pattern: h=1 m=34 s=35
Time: h=11 m=4 s=59
